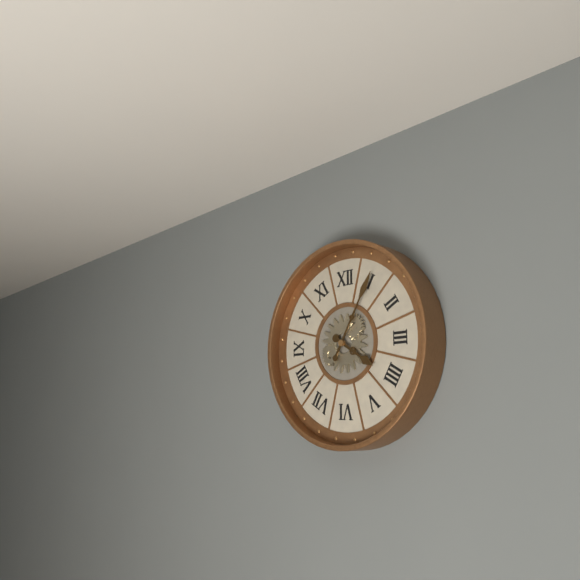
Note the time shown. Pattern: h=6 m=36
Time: h=4 m=5
